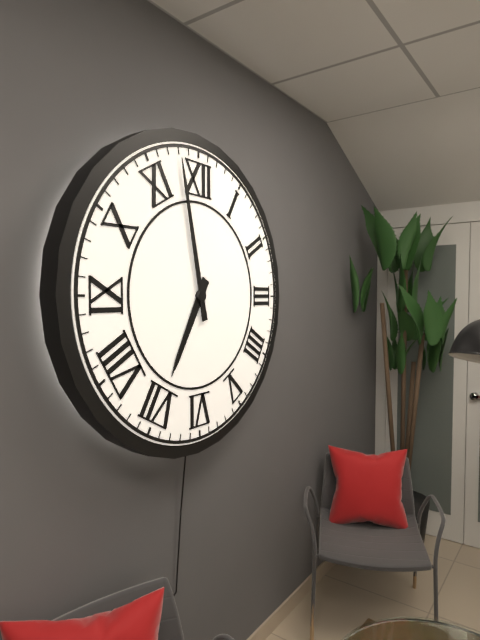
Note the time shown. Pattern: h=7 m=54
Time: h=6 m=58
